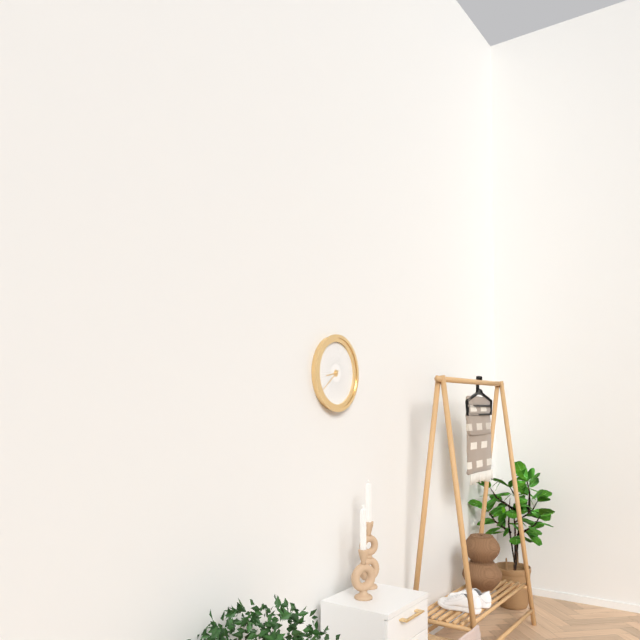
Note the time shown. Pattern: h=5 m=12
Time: h=8 m=39
